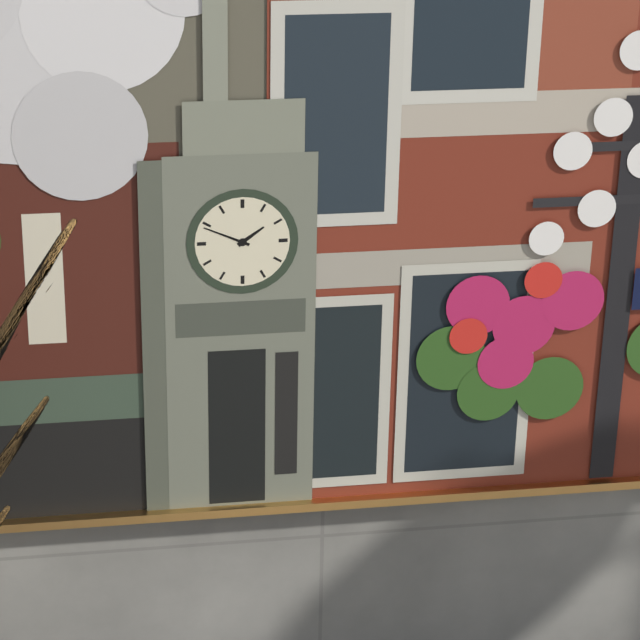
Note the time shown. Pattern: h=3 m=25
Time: h=1 m=49
